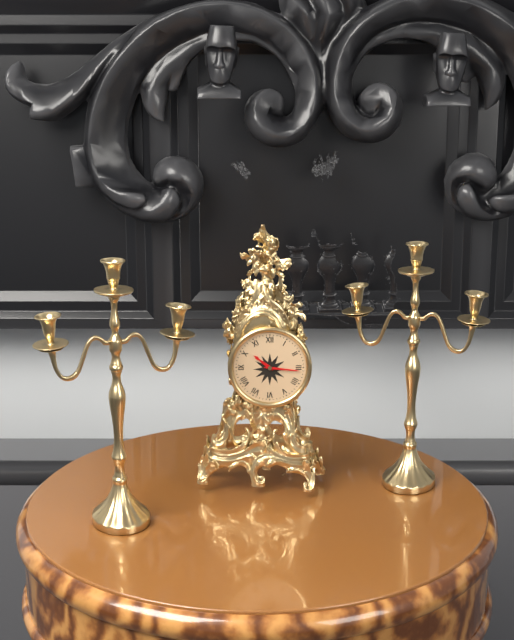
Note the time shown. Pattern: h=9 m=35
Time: h=10 m=16
